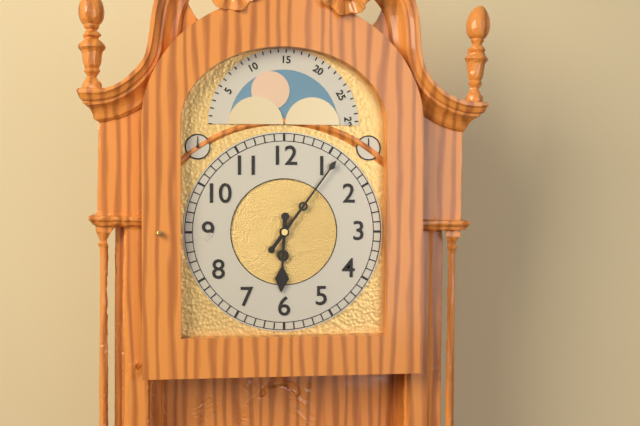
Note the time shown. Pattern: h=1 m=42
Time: h=6 m=6
